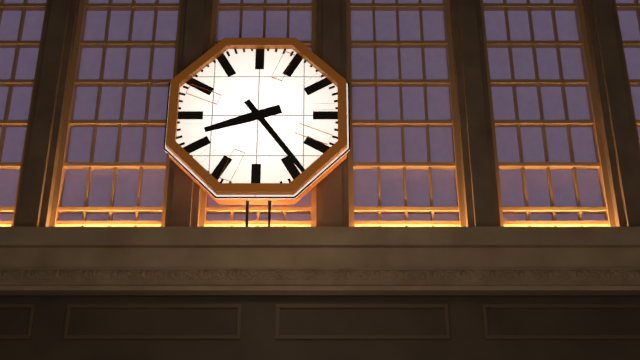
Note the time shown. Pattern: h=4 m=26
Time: h=8 m=24
